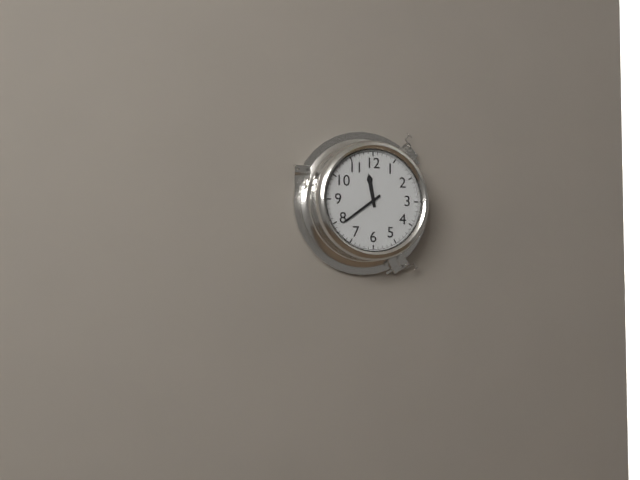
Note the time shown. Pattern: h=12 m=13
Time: h=11 m=39
